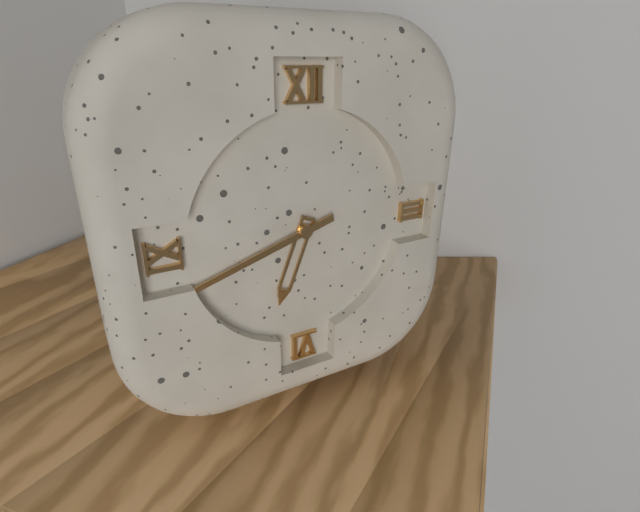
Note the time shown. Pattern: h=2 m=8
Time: h=6 m=42
